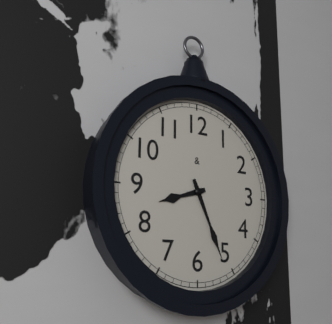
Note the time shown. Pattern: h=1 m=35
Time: h=8 m=26
